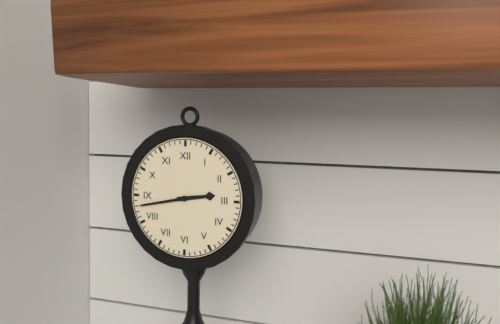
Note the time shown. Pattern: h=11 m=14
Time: h=2 m=43
